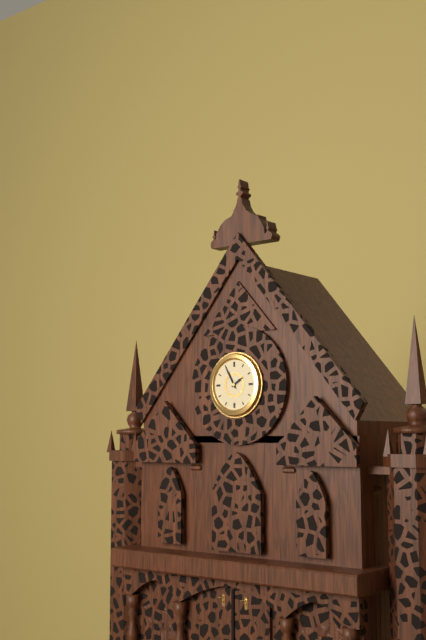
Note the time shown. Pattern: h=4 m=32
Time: h=1 m=55
